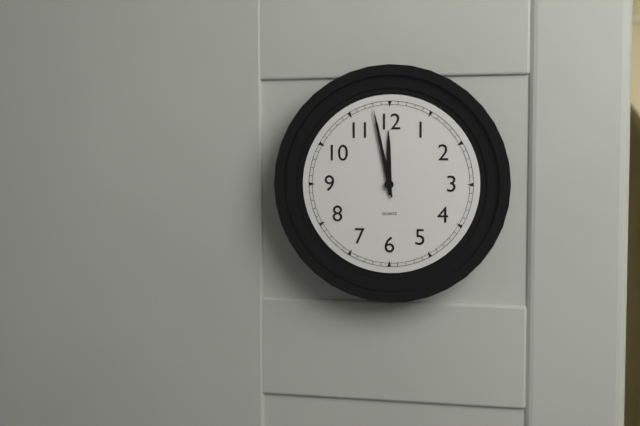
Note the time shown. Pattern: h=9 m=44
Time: h=11 m=58
